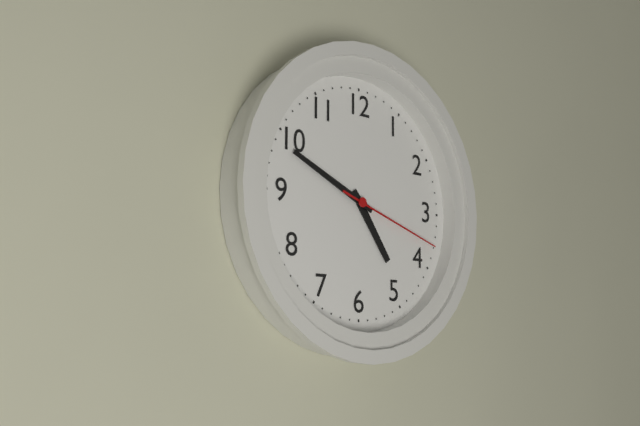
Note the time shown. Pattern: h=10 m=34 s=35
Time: h=4 m=49 s=18
